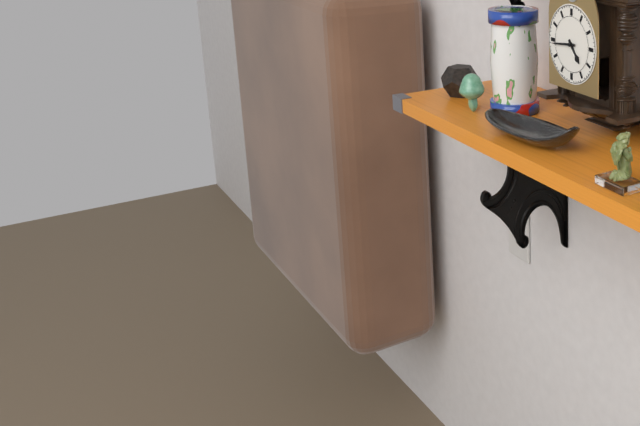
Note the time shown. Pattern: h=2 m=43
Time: h=4 m=44
